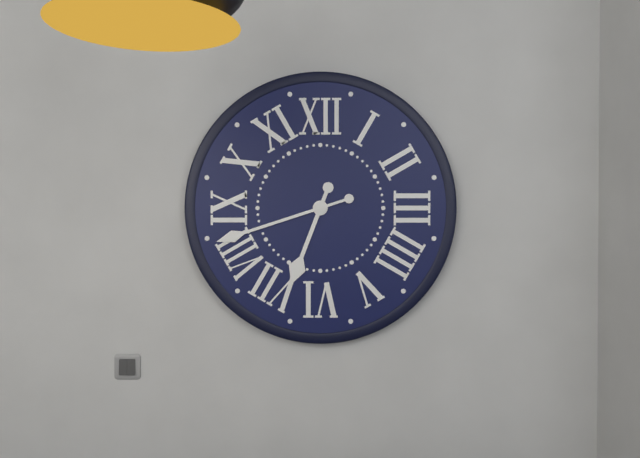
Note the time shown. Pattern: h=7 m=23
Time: h=6 m=42
